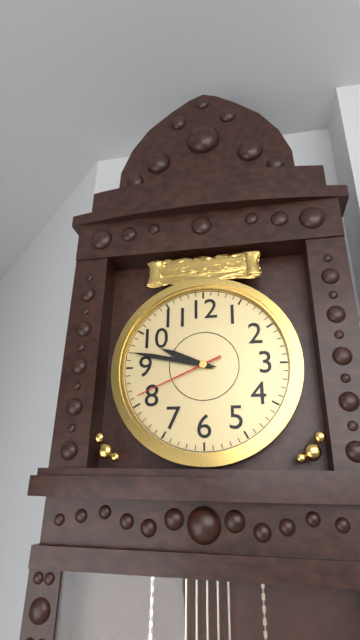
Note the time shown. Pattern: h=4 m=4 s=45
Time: h=9 m=47 s=41
